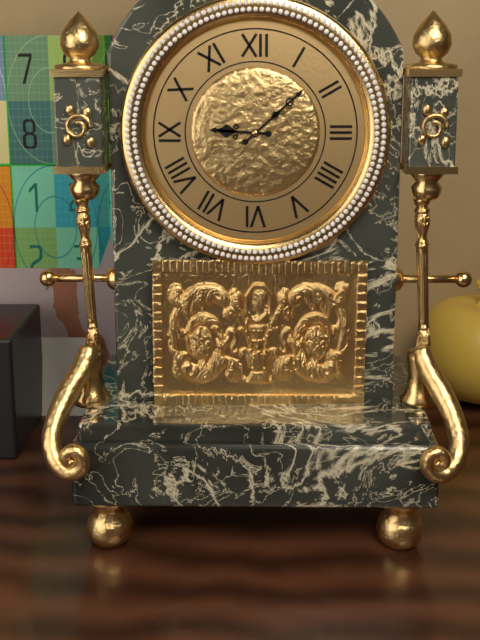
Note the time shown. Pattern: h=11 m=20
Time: h=9 m=8
